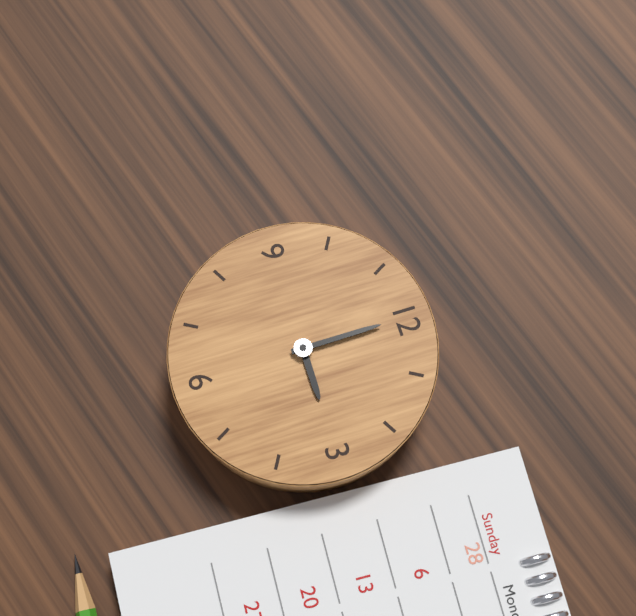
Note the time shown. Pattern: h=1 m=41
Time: h=3 m=0
